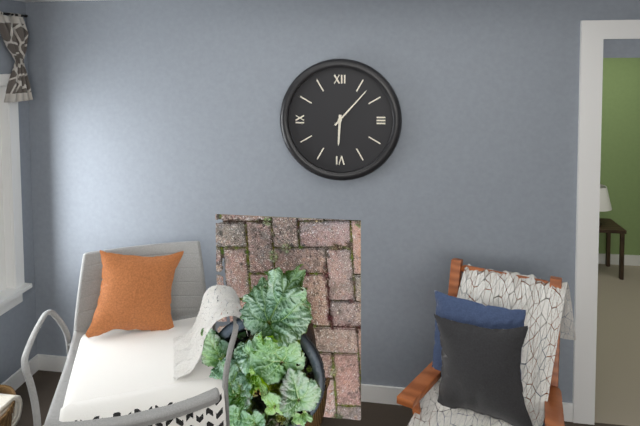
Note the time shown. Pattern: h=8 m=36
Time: h=6 m=7
